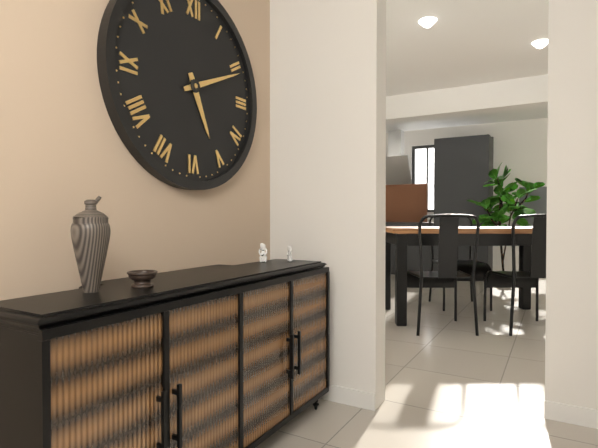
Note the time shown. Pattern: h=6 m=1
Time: h=5 m=11
